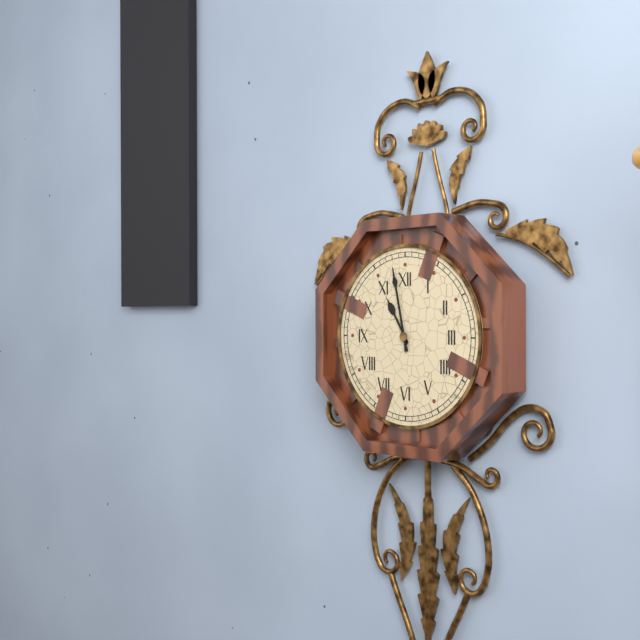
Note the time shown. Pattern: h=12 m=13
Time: h=10 m=58
